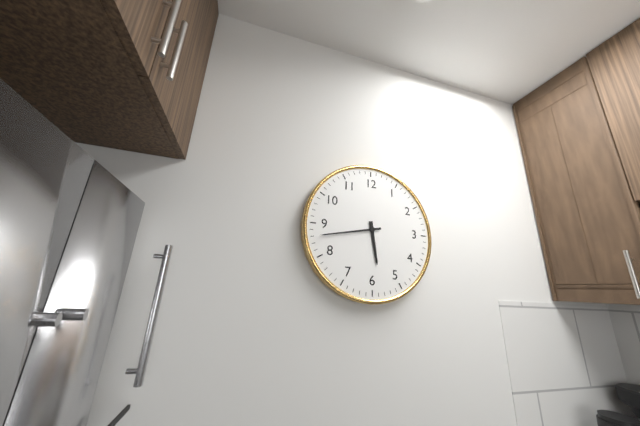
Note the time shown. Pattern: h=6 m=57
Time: h=5 m=43
